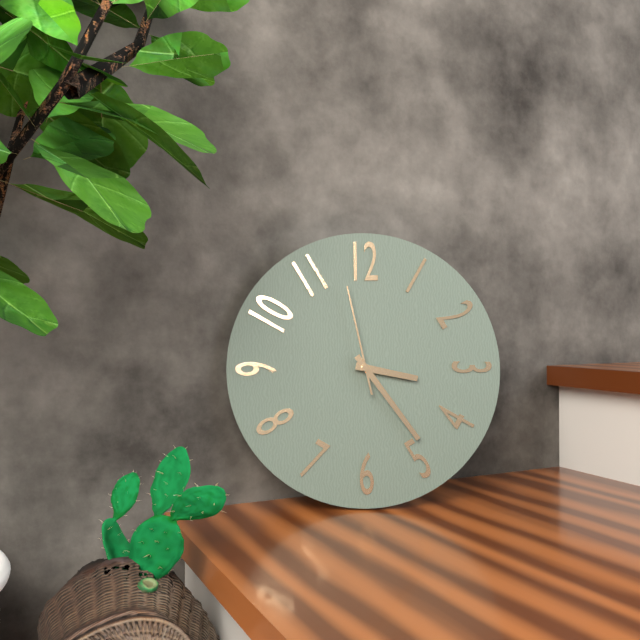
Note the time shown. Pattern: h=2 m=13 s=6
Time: h=3 m=24 s=58
